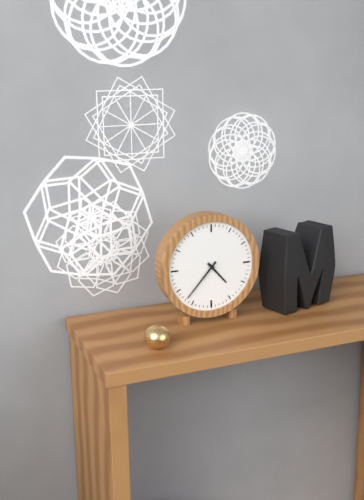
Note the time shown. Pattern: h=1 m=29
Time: h=4 m=37
